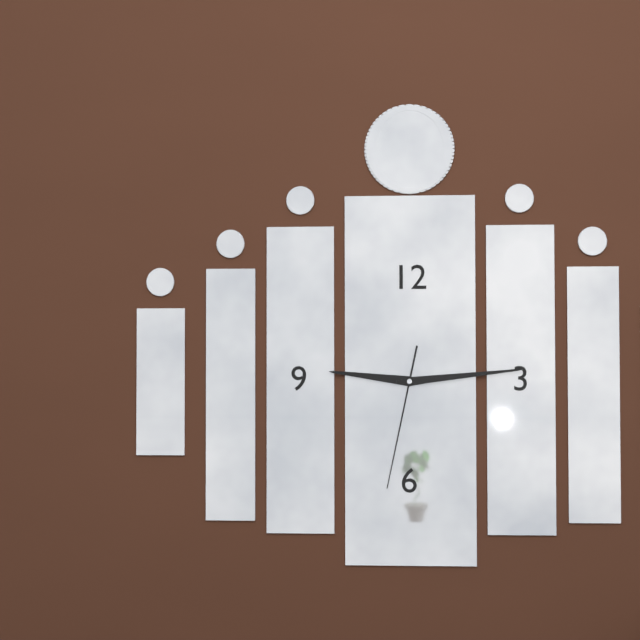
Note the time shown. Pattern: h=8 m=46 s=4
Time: h=9 m=14 s=32
